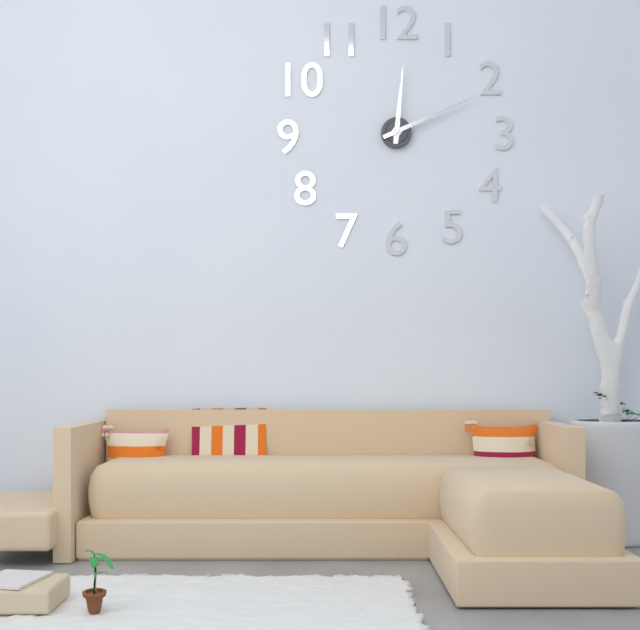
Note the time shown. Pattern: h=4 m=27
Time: h=12 m=11
